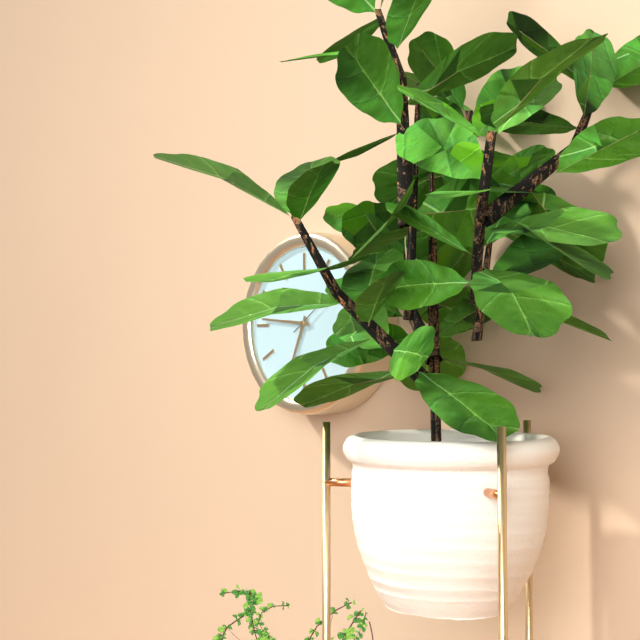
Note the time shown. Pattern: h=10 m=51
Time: h=6 m=46
